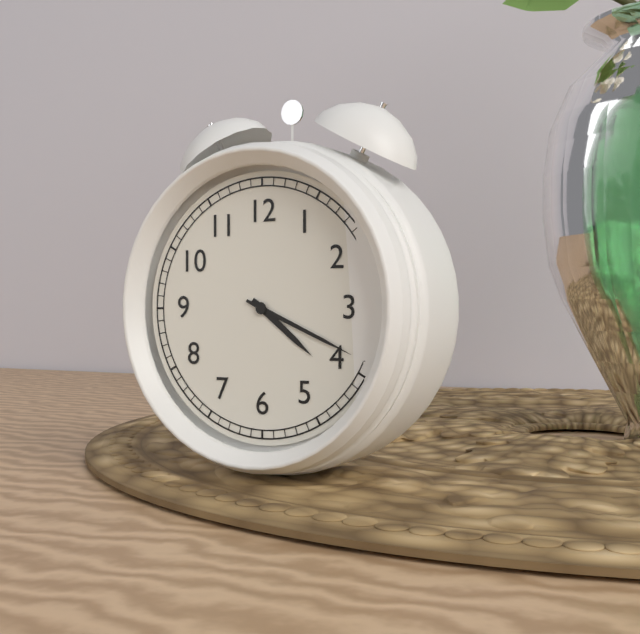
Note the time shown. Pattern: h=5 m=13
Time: h=4 m=19
